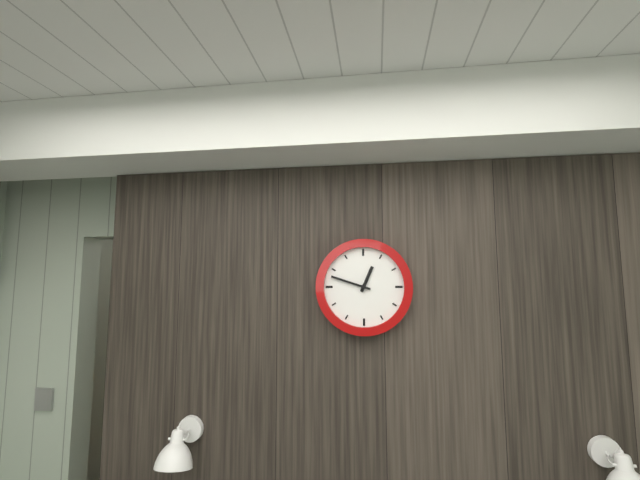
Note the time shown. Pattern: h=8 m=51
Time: h=12 m=48
